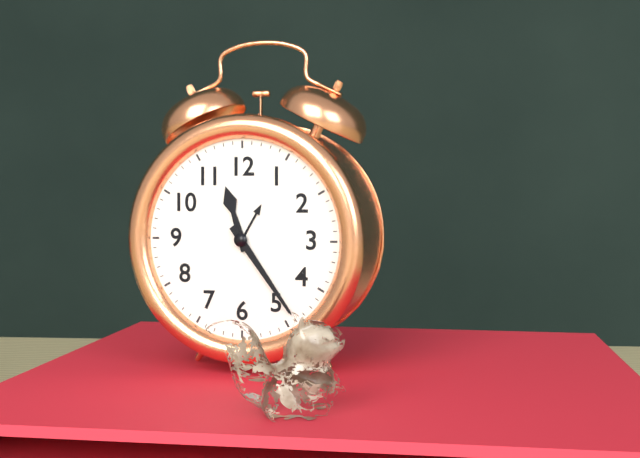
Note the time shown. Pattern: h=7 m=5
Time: h=11 m=24
